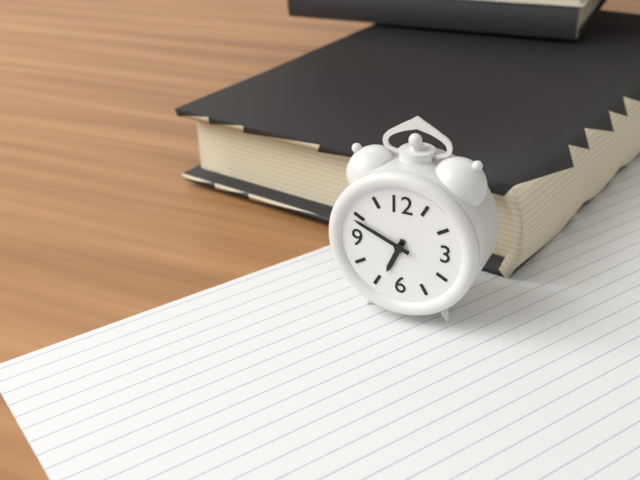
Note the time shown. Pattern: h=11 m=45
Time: h=6 m=49
